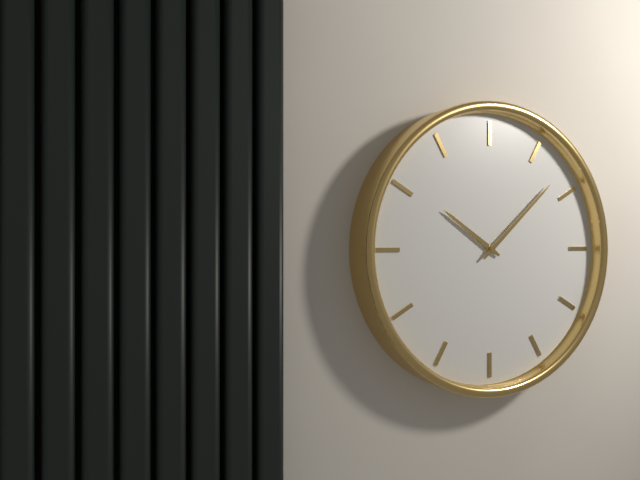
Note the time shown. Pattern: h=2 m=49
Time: h=10 m=8
